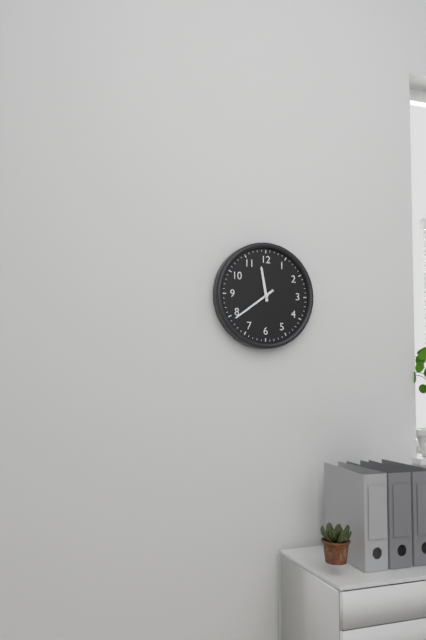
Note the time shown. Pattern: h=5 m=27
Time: h=11 m=39
